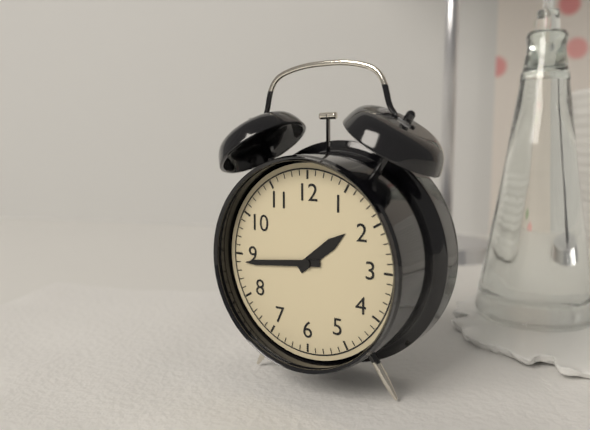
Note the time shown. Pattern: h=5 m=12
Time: h=1 m=44
